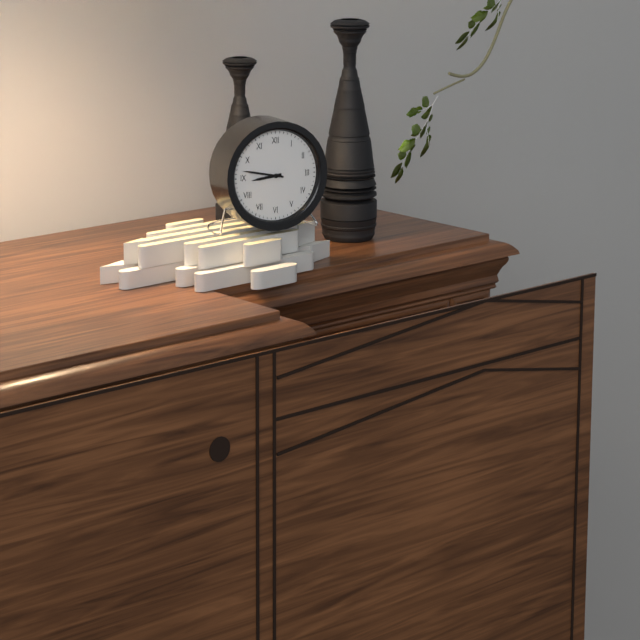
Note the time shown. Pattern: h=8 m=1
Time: h=8 m=47
